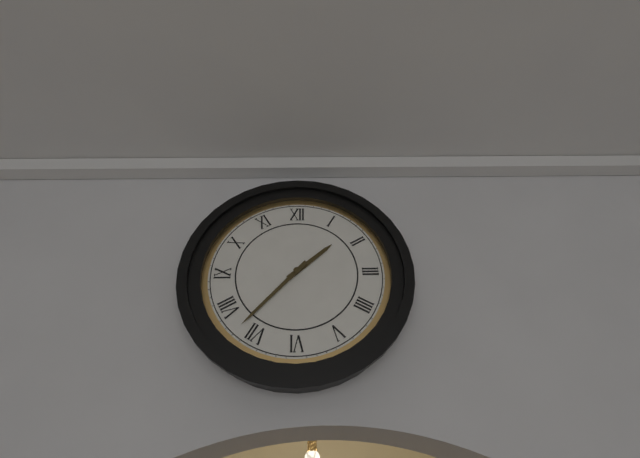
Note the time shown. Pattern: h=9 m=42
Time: h=1 m=37
